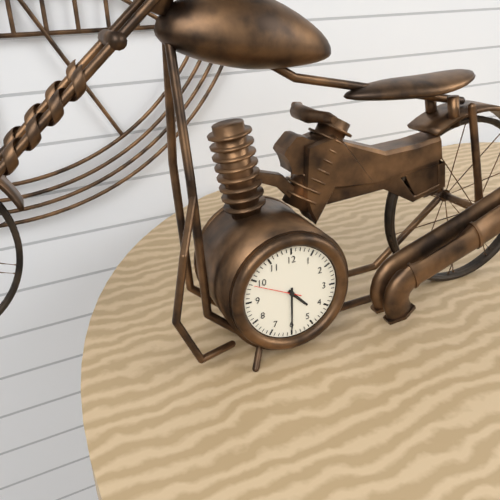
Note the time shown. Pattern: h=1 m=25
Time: h=4 m=30
